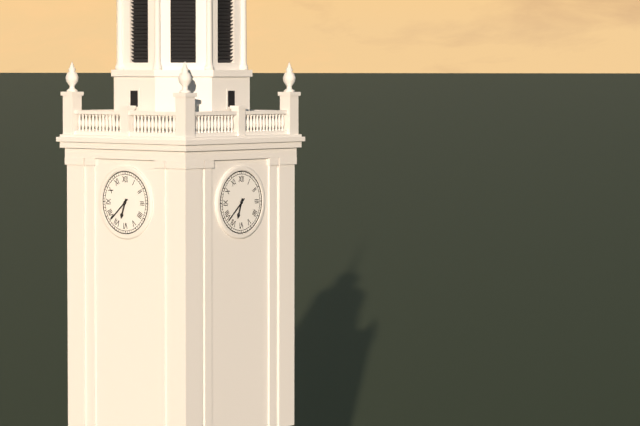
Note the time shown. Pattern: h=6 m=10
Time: h=6 m=38
